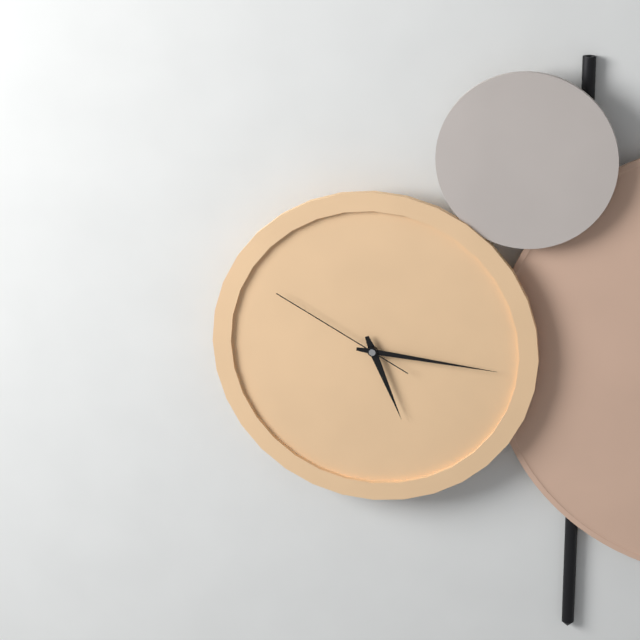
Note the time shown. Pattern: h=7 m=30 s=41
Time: h=5 m=16 s=50
